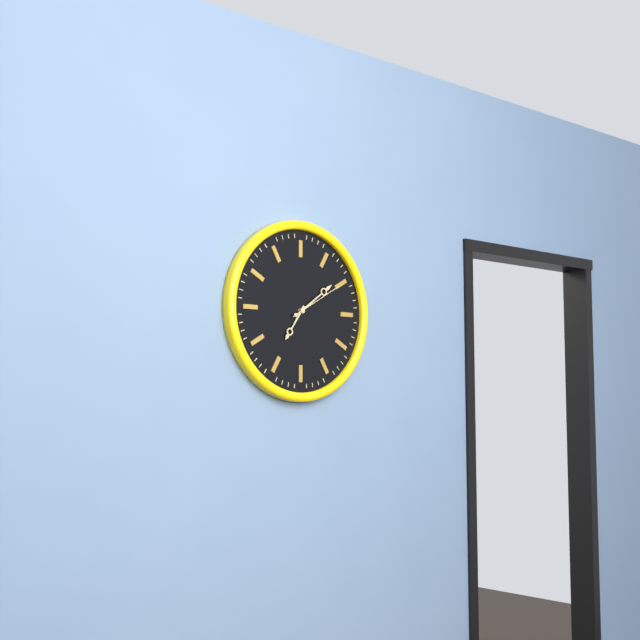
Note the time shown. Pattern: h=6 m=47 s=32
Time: h=7 m=9 s=10
